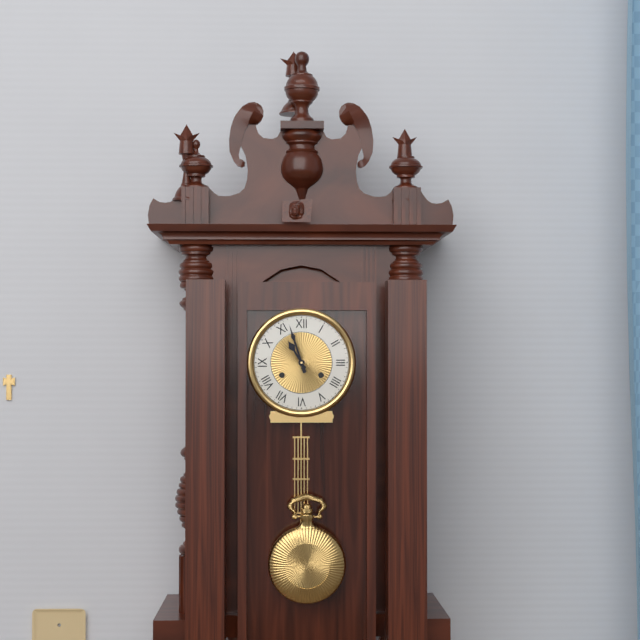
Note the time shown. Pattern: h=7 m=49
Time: h=10 m=57
